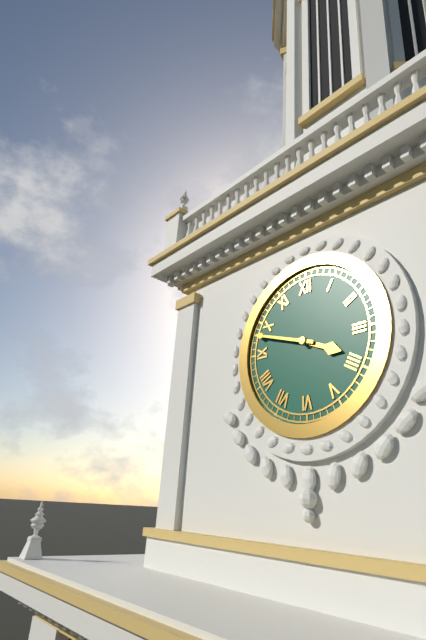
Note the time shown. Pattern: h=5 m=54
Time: h=3 m=48
